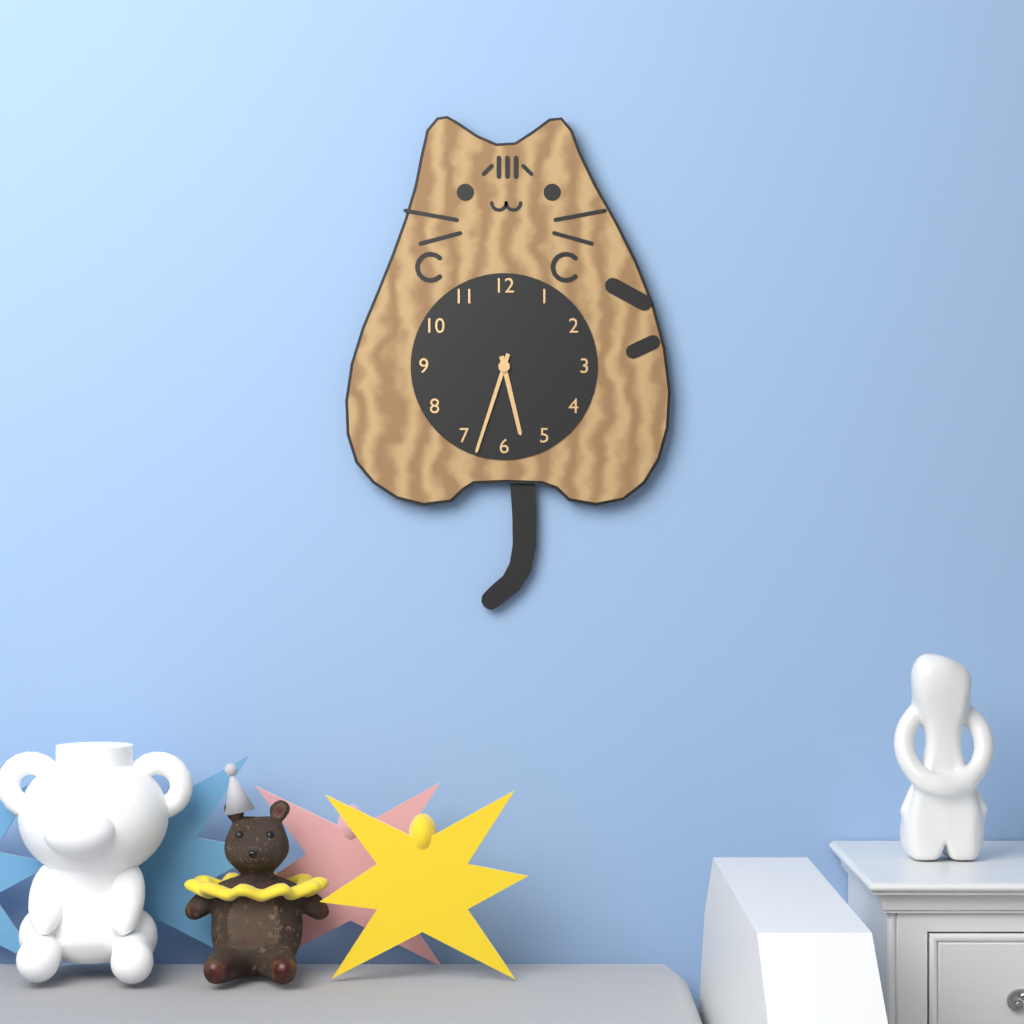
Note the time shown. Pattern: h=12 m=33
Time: h=5 m=33
